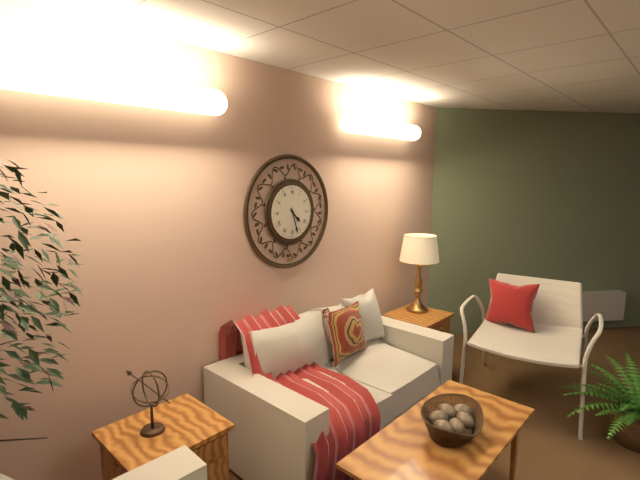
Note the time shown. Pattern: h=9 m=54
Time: h=4 m=27
